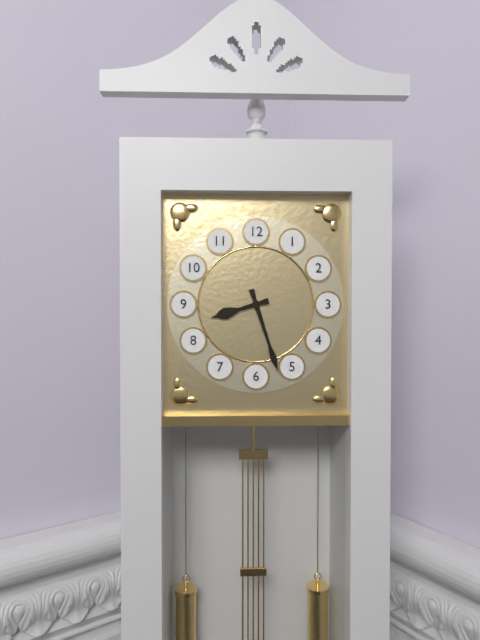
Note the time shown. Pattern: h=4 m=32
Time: h=8 m=27
